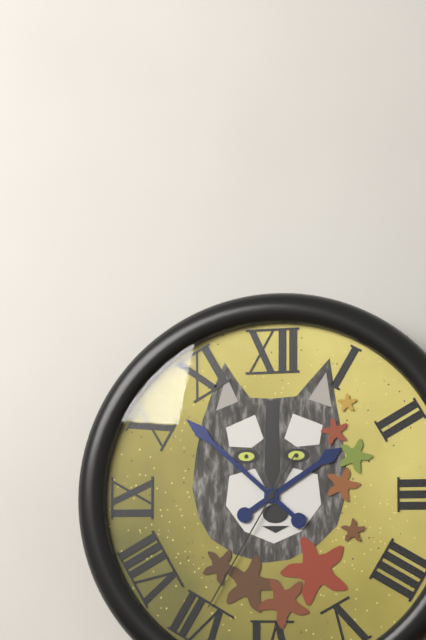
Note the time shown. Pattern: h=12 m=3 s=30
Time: h=1 m=52 s=35
